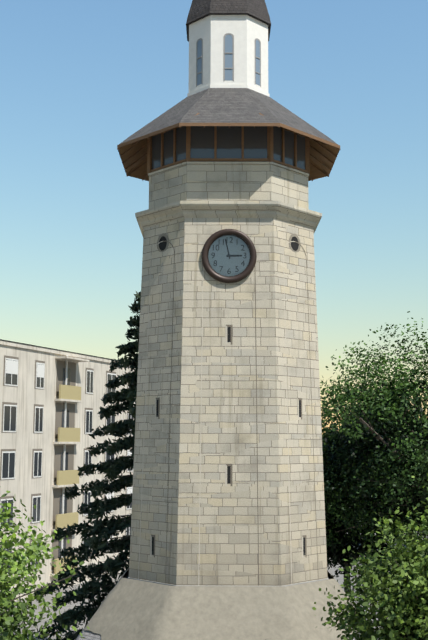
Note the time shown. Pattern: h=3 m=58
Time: h=2 m=58
